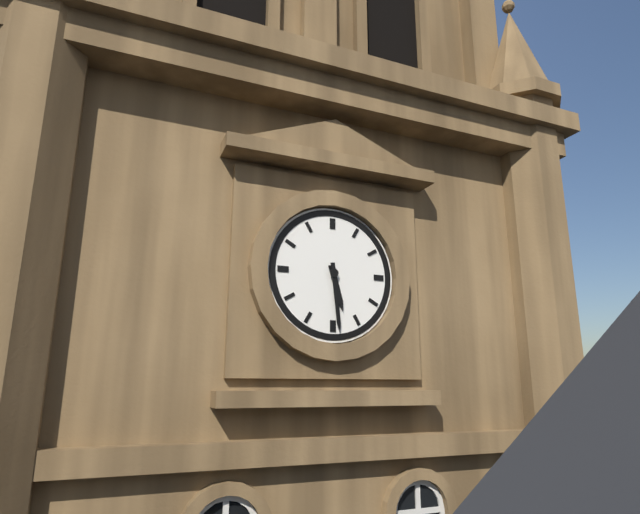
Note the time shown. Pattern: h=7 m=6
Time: h=5 m=29
